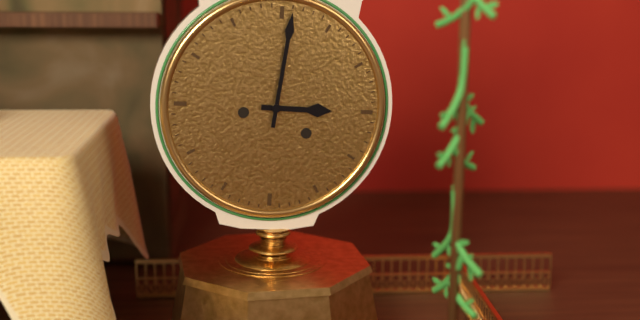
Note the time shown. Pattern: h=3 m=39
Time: h=3 m=1
